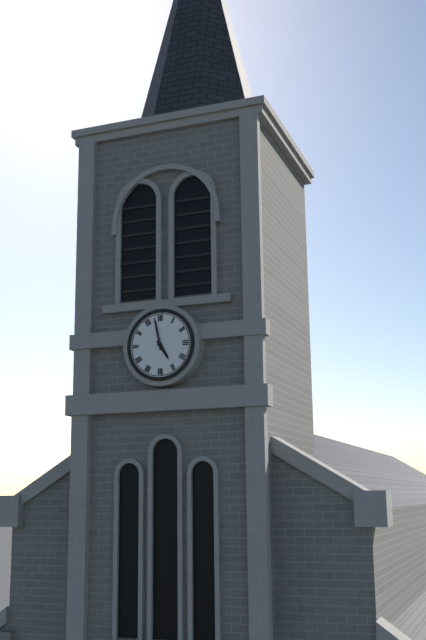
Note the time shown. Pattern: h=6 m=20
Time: h=4 m=58
